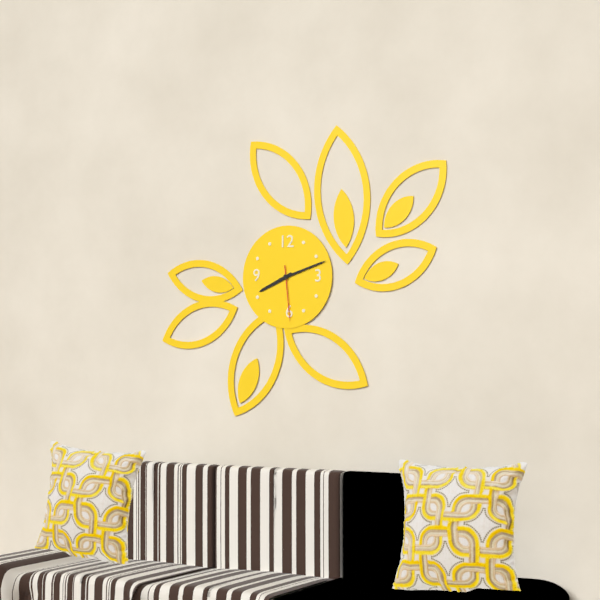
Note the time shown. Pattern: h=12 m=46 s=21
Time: h=8 m=12 s=29
